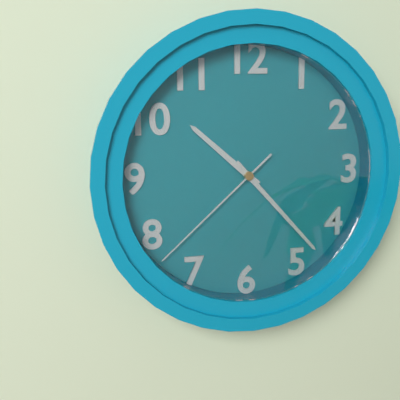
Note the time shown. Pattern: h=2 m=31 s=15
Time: h=10 m=23 s=38
